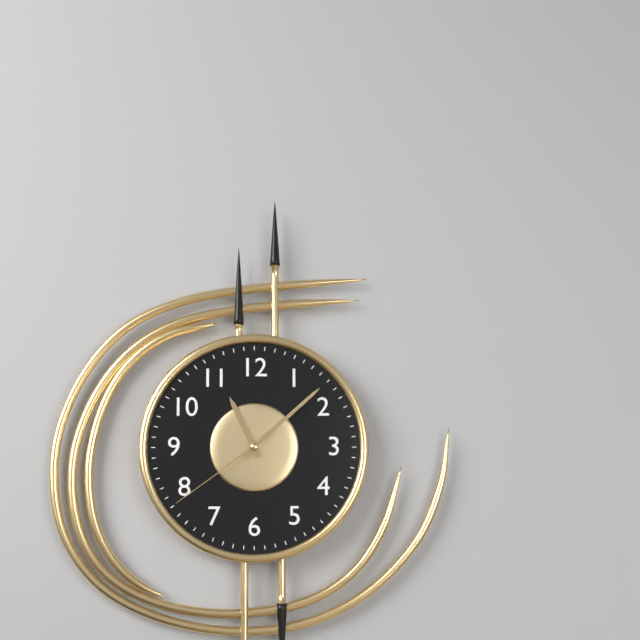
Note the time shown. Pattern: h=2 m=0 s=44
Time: h=11 m=8 s=39
